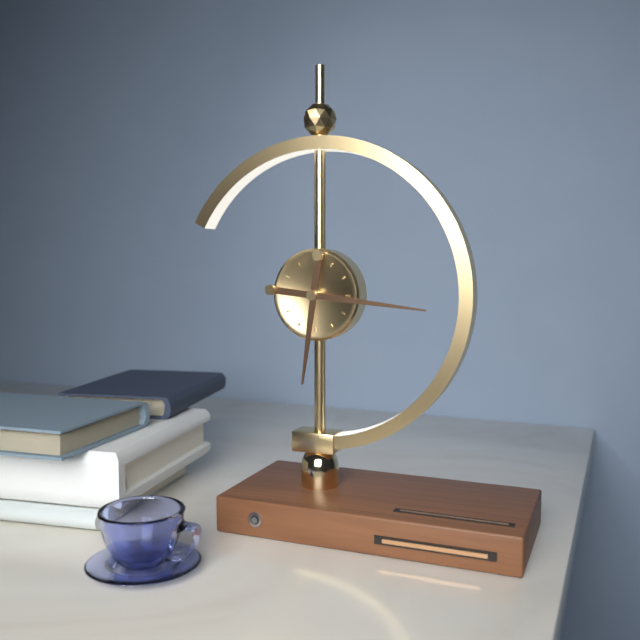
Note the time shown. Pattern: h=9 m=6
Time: h=6 m=16
